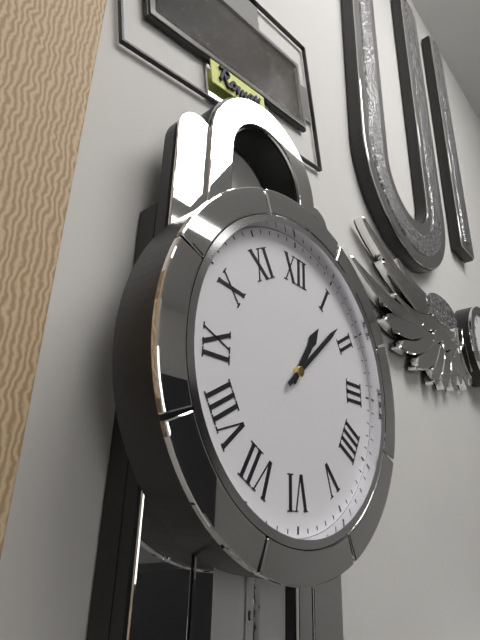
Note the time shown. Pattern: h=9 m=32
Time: h=1 m=8
